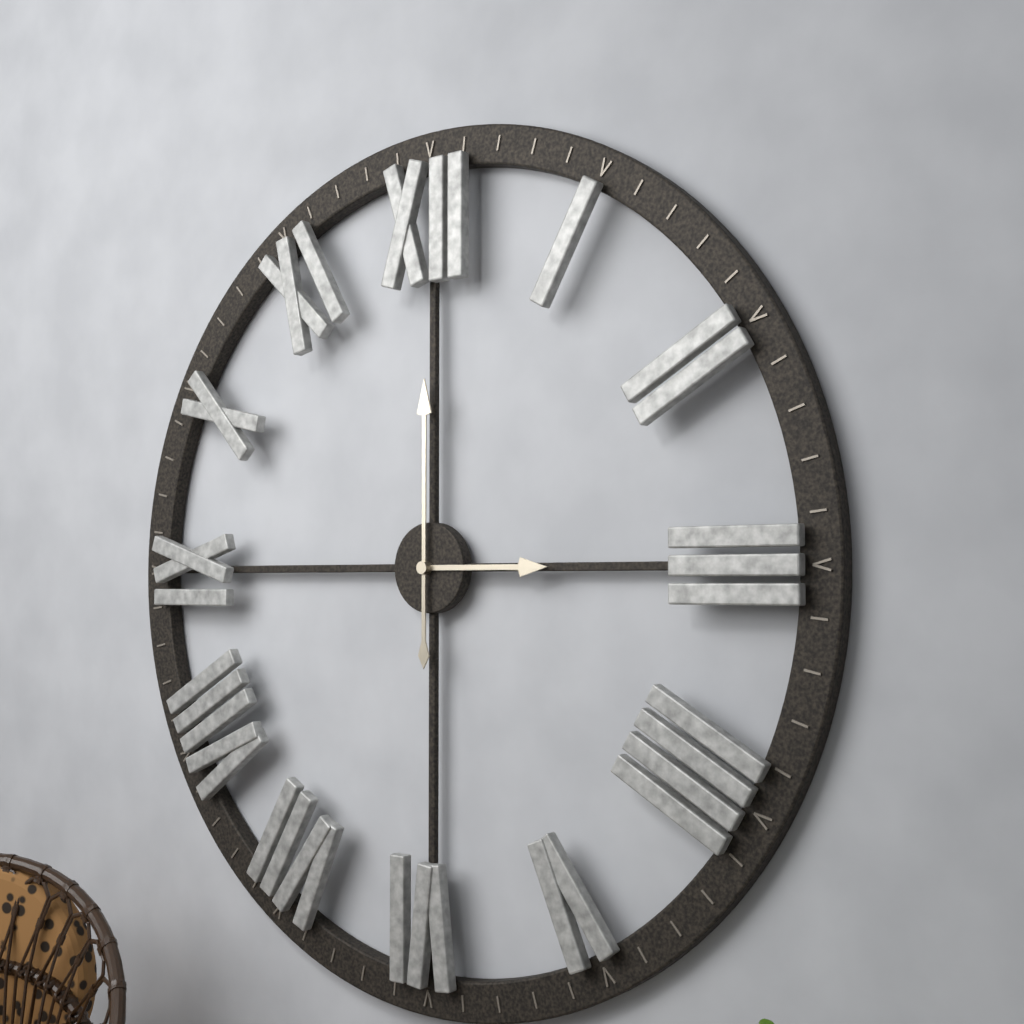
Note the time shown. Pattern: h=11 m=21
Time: h=3 m=0
